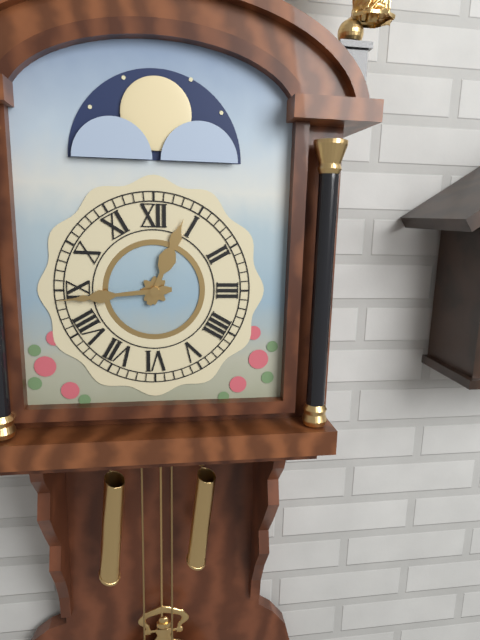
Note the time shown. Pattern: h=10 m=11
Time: h=12 m=44
